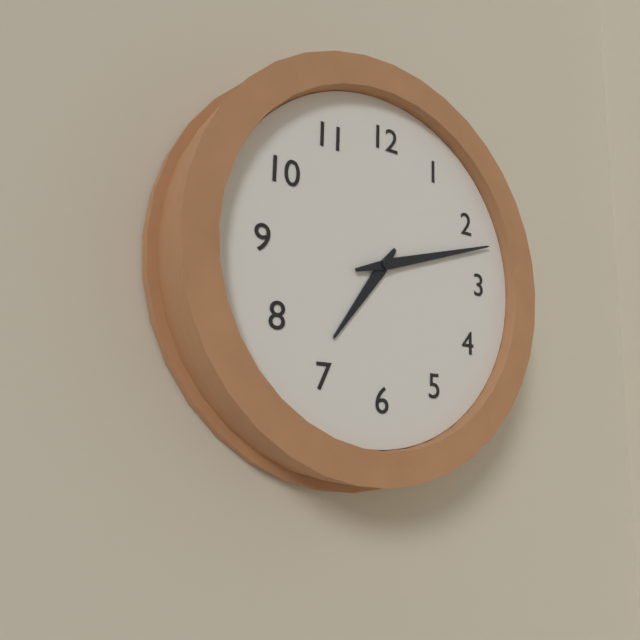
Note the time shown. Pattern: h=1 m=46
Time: h=7 m=12
